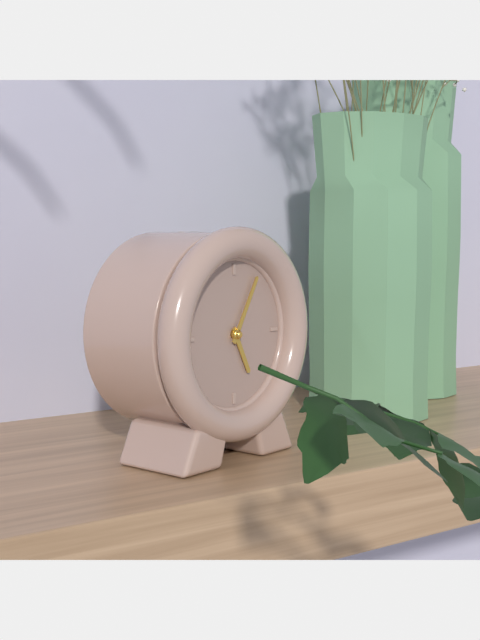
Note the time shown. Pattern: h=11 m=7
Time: h=5 m=5
